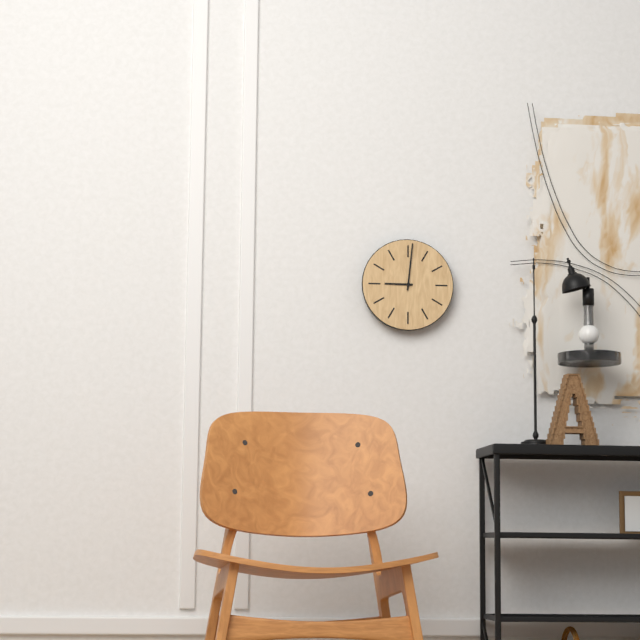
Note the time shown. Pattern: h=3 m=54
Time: h=9 m=1
